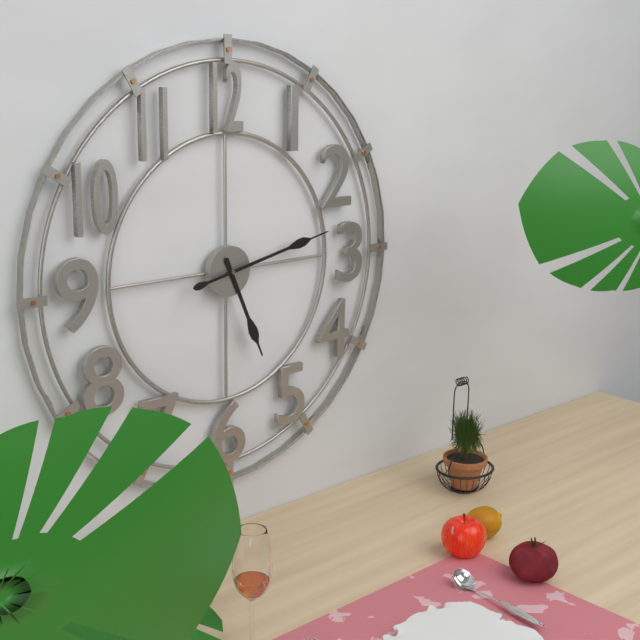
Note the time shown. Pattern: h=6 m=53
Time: h=5 m=13
